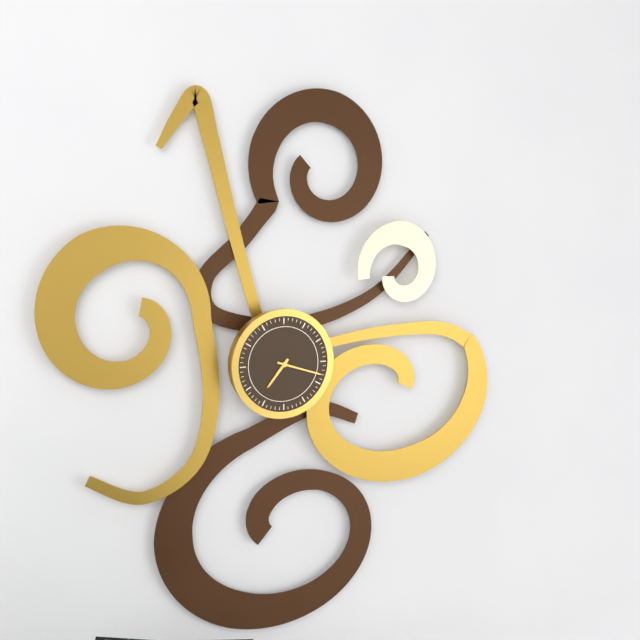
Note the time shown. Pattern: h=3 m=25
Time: h=7 m=18
